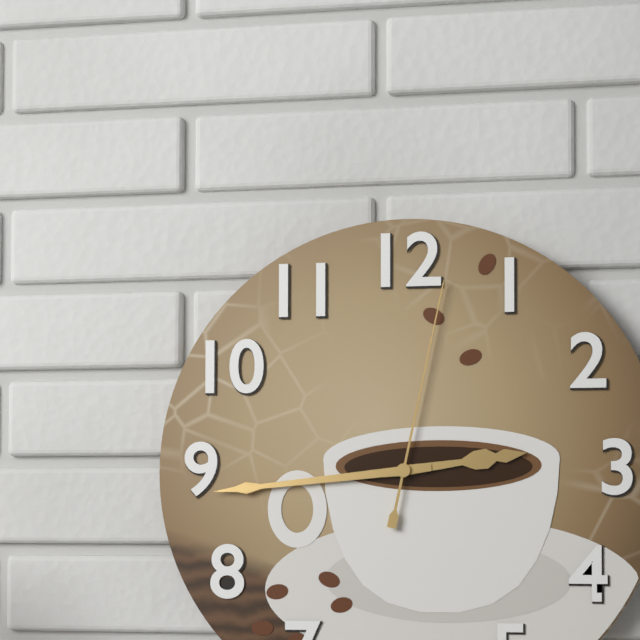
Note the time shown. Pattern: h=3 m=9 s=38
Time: h=2 m=44 s=2
